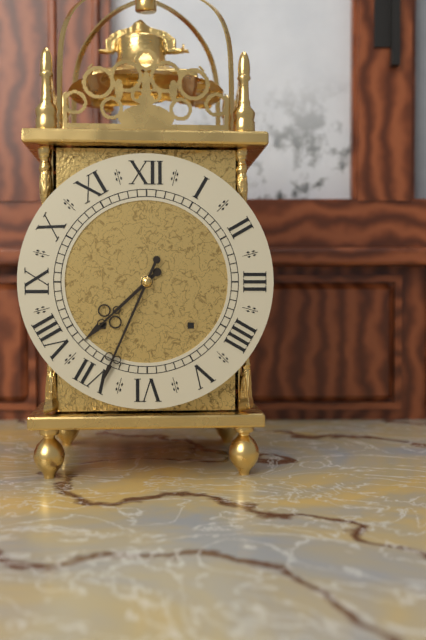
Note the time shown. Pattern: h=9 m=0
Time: h=7 m=34
